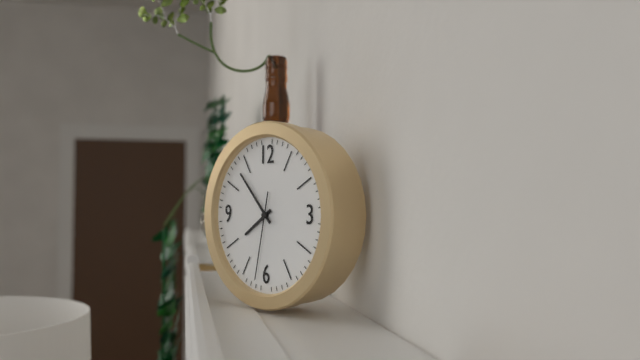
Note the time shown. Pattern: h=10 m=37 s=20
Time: h=7 m=53 s=32
